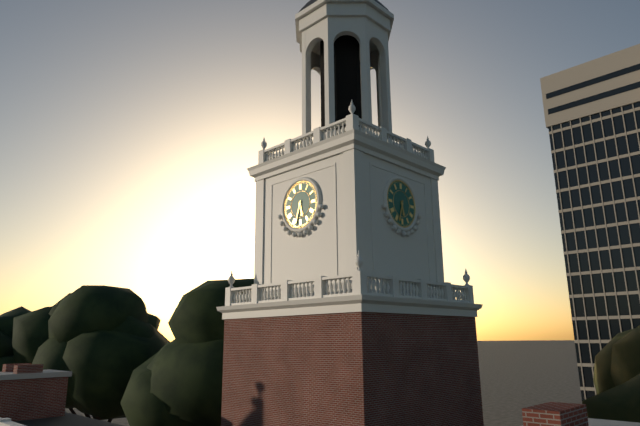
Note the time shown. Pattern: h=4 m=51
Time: h=5 m=33
